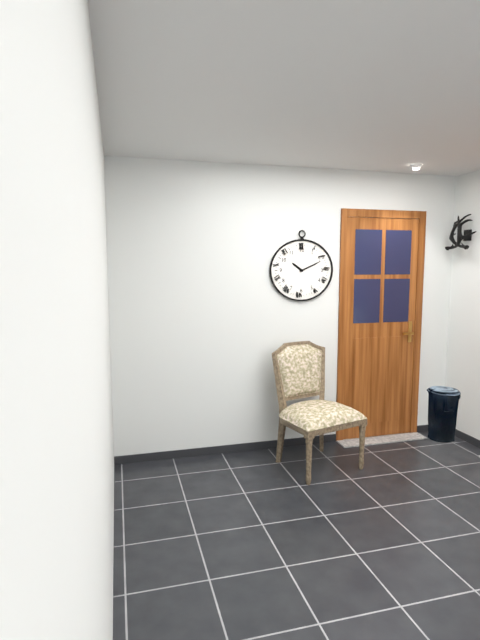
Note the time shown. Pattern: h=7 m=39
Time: h=10 m=11
